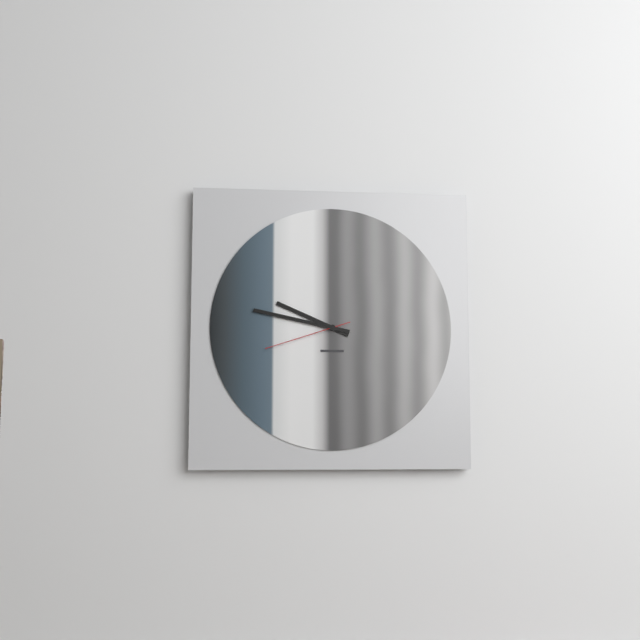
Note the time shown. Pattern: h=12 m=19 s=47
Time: h=9 m=47 s=42
